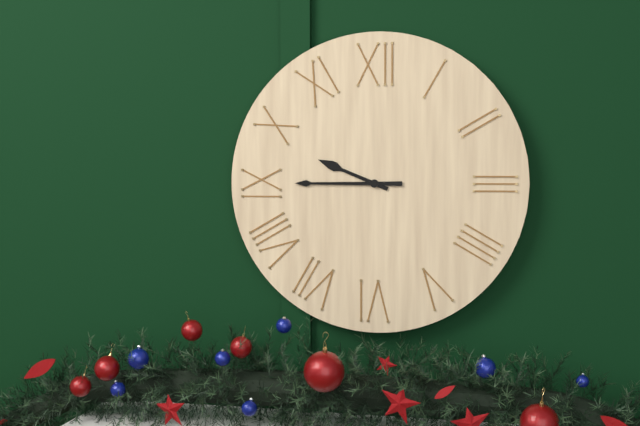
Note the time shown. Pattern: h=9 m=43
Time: h=9 m=45
